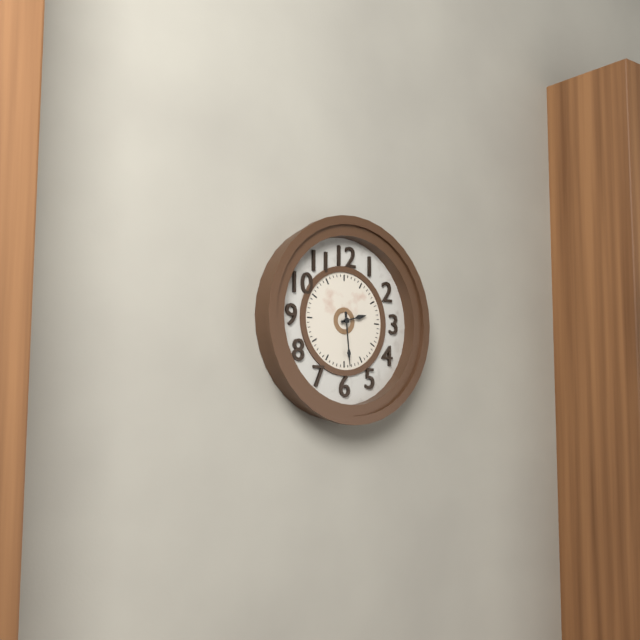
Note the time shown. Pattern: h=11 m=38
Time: h=2 m=29
